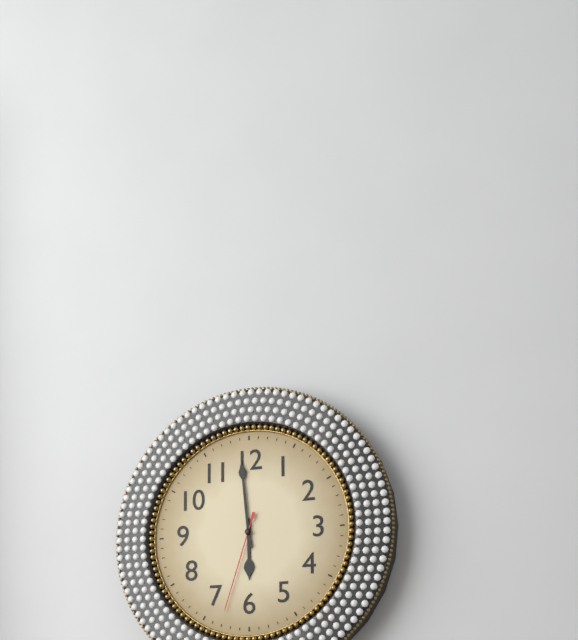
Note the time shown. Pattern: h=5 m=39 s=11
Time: h=5 m=59 s=33
